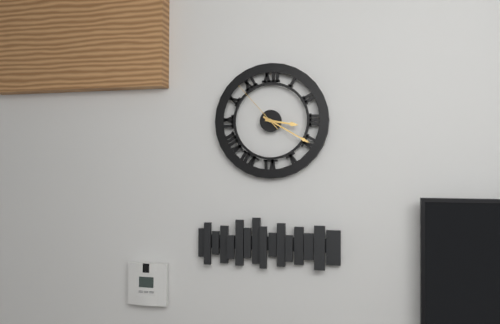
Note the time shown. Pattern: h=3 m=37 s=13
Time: h=3 m=20 s=53
